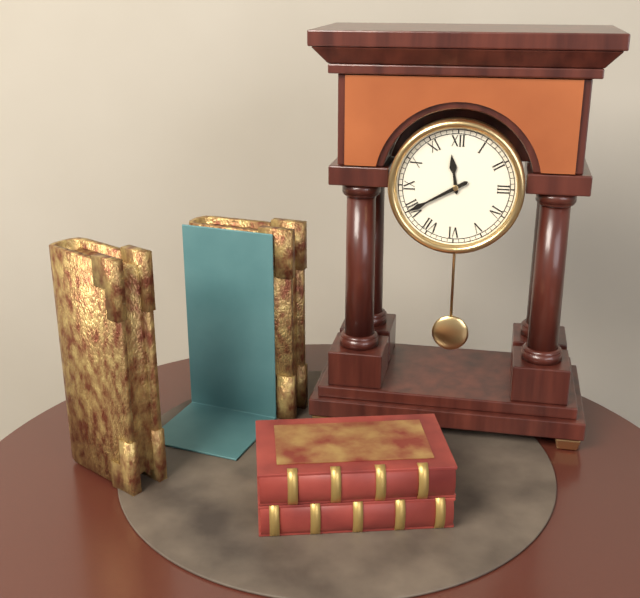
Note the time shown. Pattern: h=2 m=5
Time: h=11 m=40
